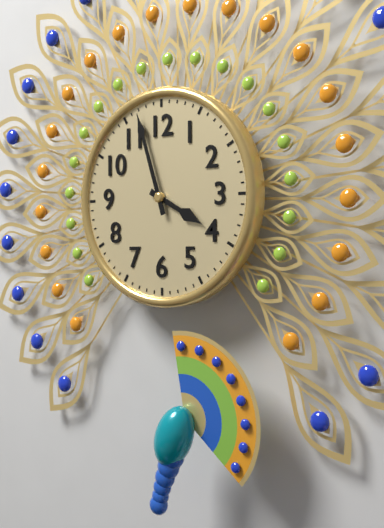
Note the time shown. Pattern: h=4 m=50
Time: h=3 m=57
